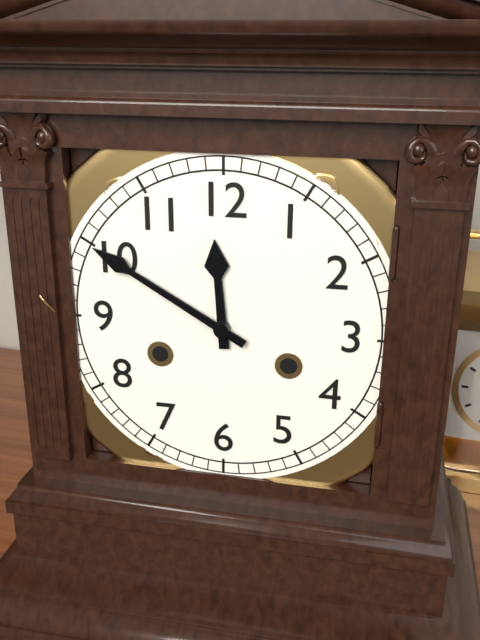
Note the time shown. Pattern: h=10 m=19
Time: h=11 m=50
